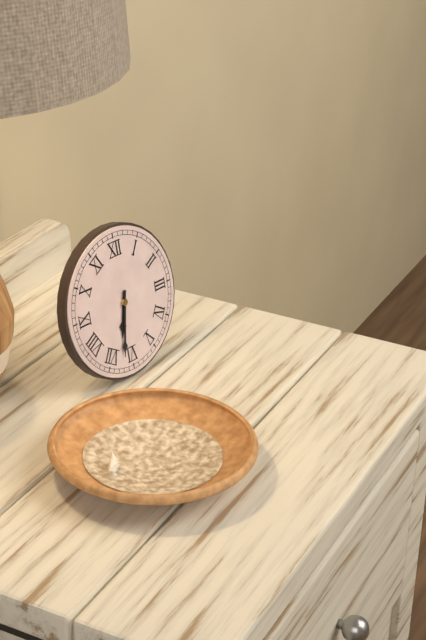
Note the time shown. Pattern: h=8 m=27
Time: h=6 m=32
